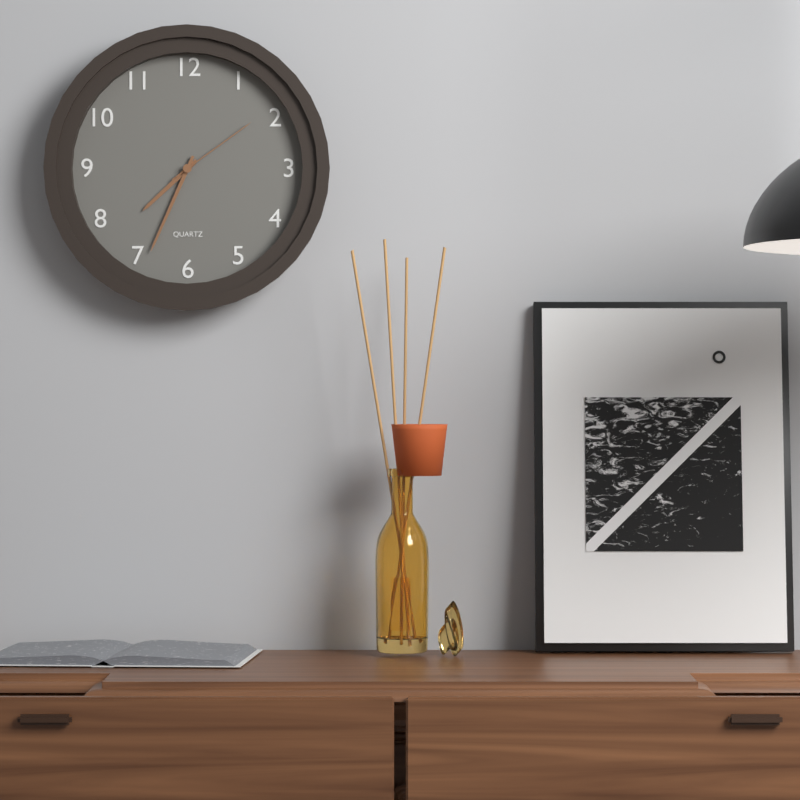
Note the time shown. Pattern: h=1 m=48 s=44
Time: h=7 m=34 s=9
